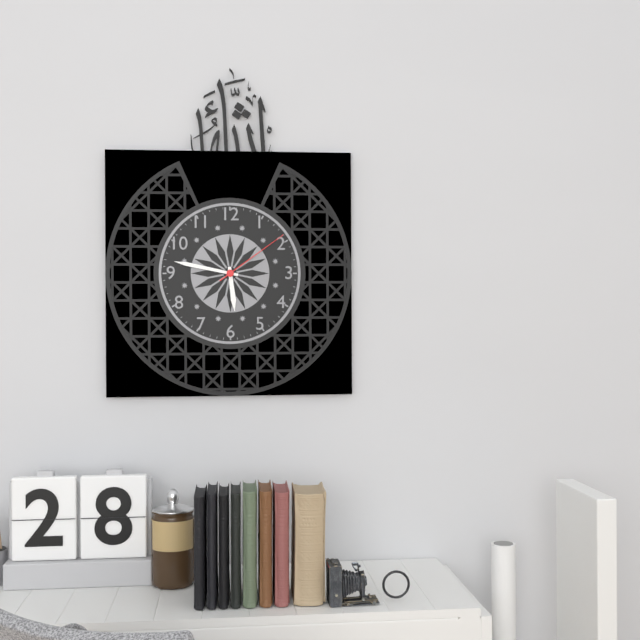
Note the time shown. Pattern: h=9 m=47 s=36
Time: h=5 m=47 s=9
